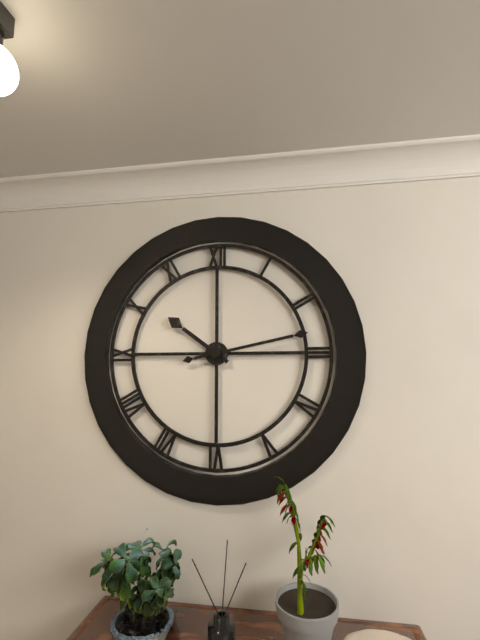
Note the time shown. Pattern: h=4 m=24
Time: h=10 m=13
